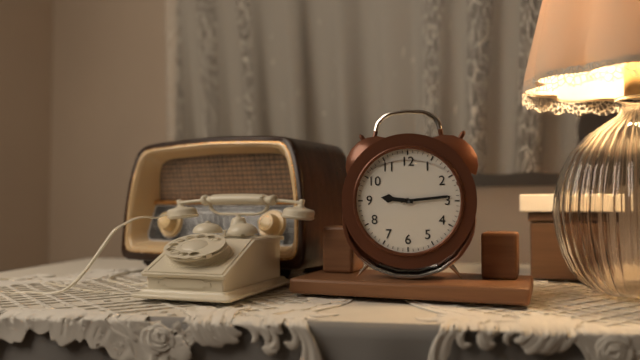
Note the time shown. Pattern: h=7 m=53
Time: h=9 m=14
